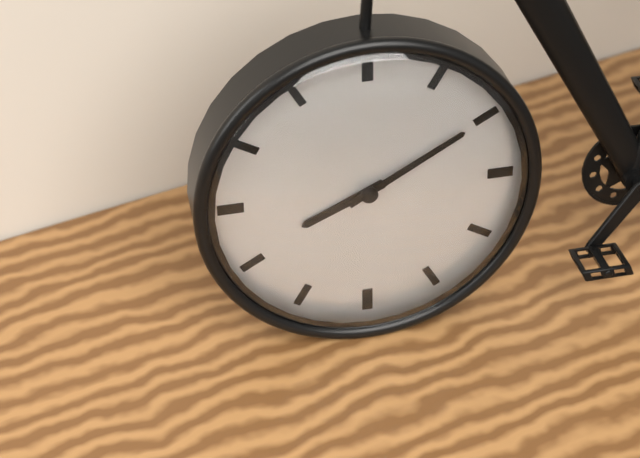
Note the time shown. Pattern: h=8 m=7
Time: h=8 m=10
